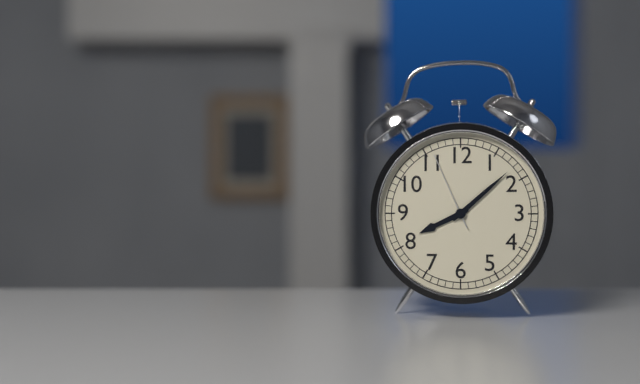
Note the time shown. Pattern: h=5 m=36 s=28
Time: h=8 m=8 s=56
